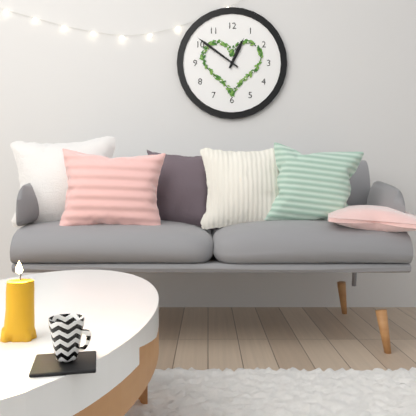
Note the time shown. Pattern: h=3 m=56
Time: h=12 m=51
